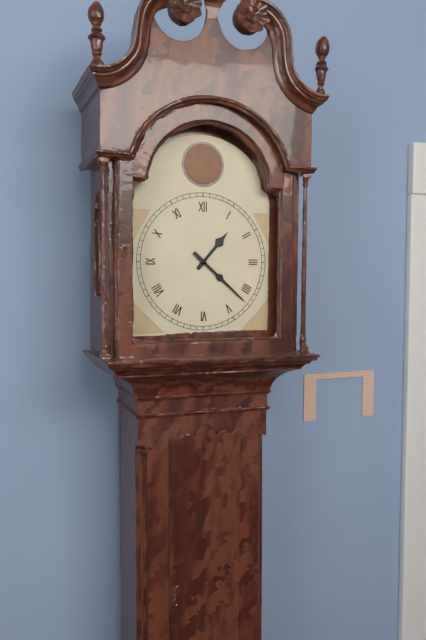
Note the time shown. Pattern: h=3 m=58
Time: h=1 m=22
